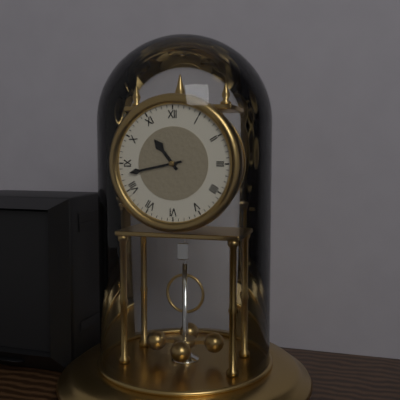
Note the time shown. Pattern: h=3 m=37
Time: h=10 m=43
